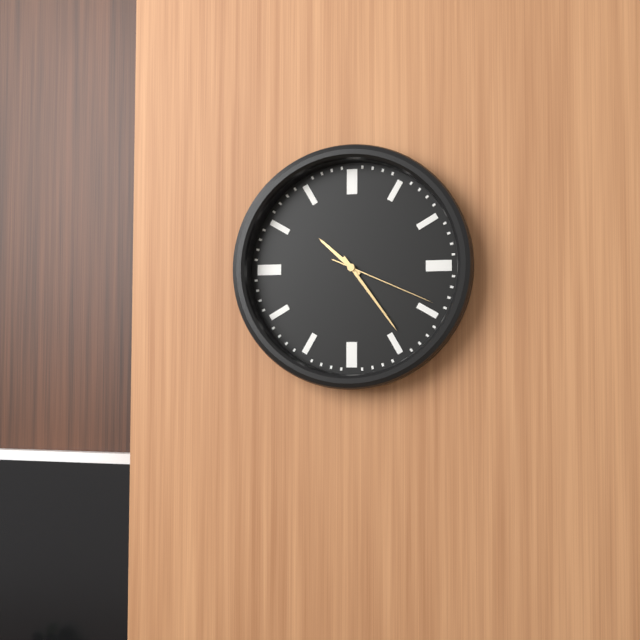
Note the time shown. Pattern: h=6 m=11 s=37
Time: h=10 m=24 s=19
